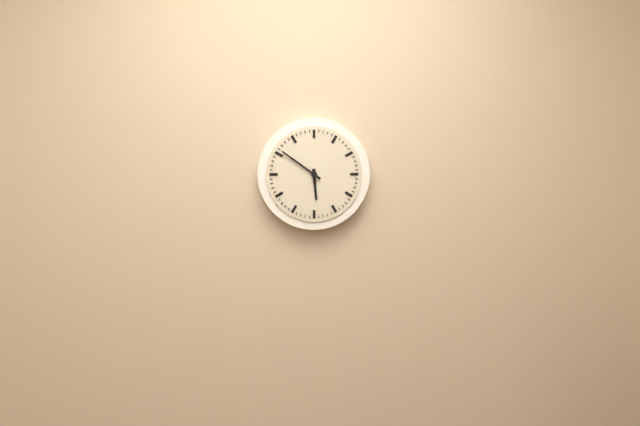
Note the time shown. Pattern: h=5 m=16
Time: h=5 m=51
